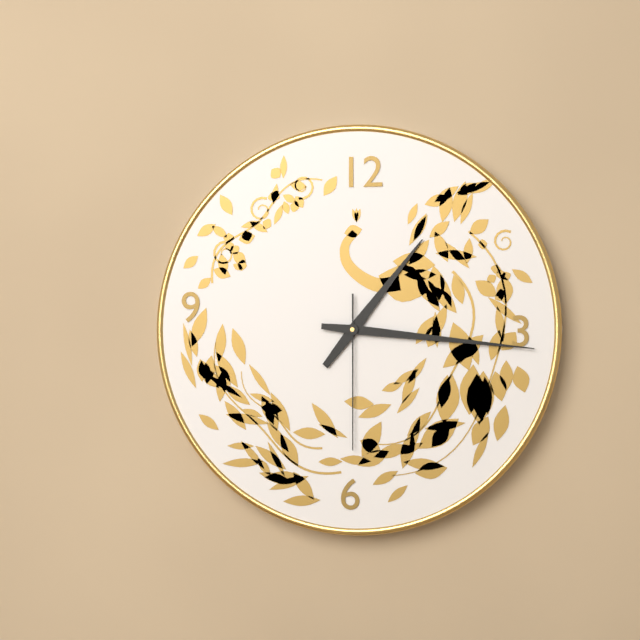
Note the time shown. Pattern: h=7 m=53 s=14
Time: h=1 m=16 s=30
